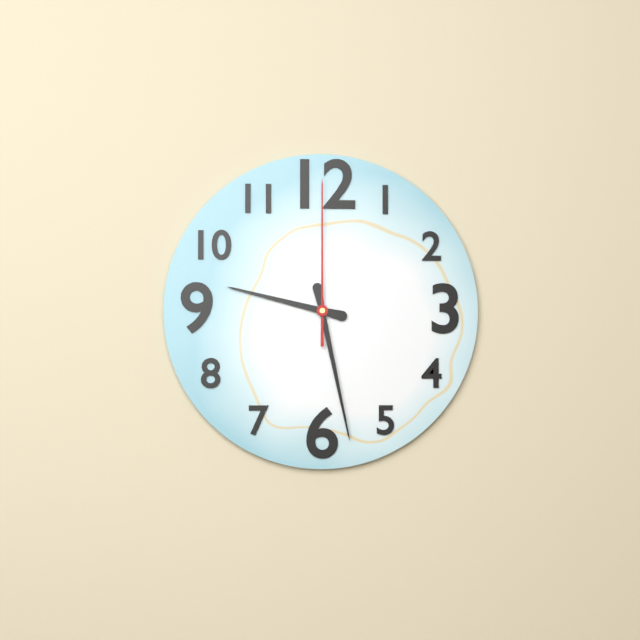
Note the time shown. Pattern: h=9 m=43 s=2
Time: h=9 m=28 s=0
